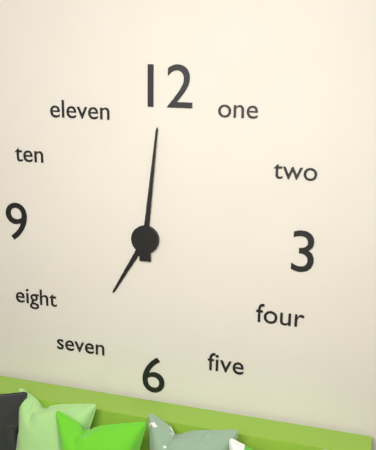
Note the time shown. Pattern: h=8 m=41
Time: h=7 m=1
